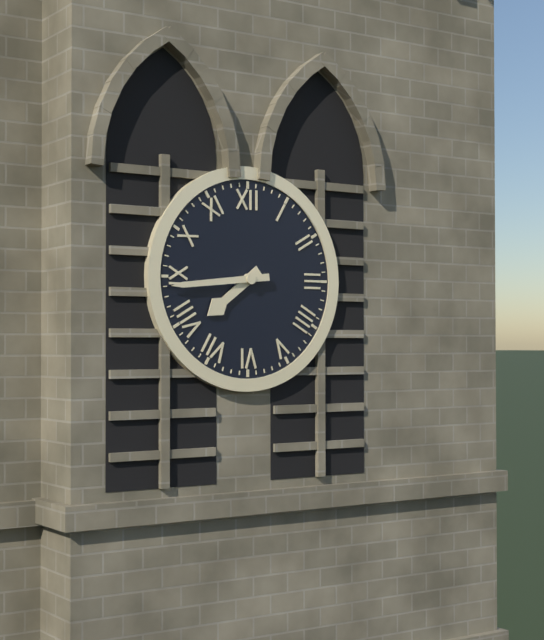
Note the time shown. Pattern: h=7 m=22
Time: h=7 m=44
